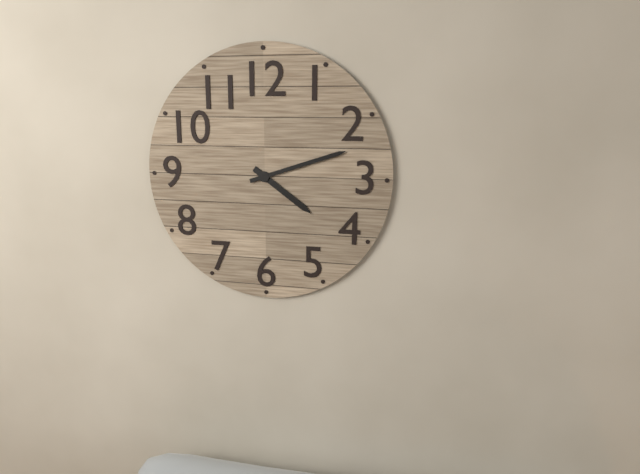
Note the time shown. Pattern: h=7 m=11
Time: h=4 m=12
